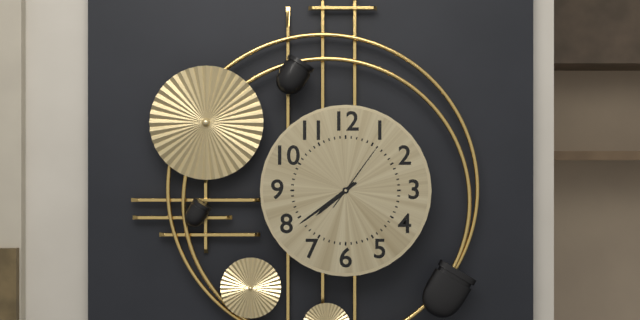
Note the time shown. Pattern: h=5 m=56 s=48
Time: h=7 m=39 s=6
